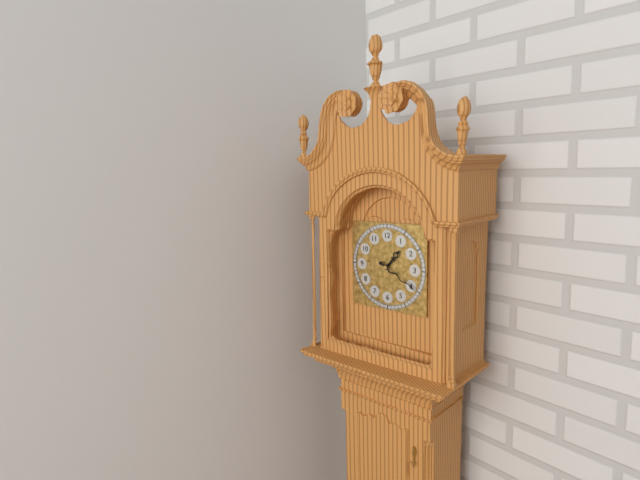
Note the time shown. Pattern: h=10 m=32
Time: h=1 m=20
